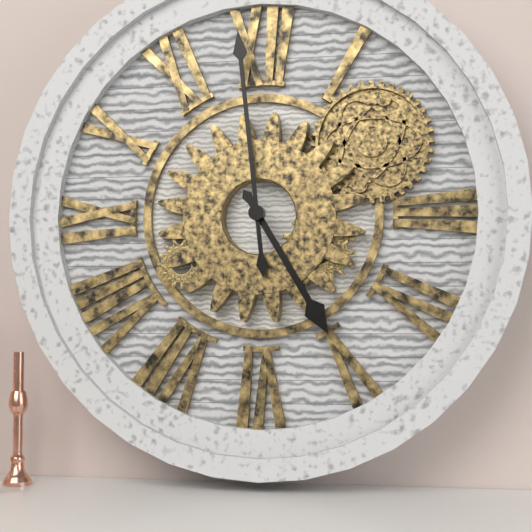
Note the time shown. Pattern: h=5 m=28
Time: h=4 m=59
